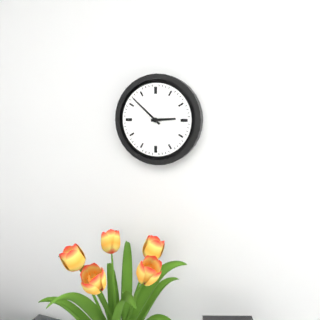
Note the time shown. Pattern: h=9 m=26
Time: h=2 m=52
